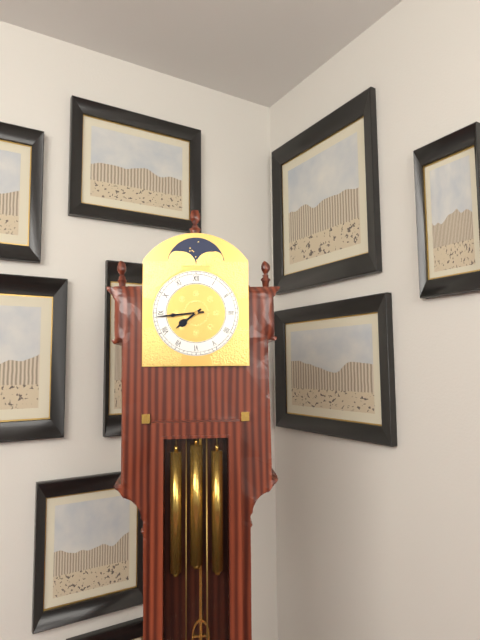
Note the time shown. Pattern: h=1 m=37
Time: h=7 m=44
